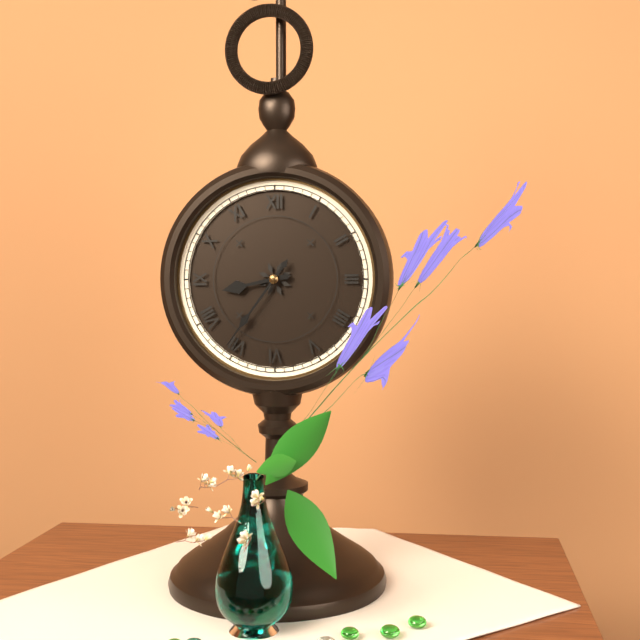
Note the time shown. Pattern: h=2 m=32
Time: h=8 m=36
